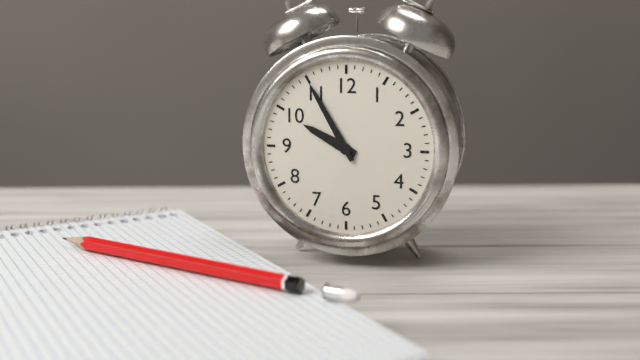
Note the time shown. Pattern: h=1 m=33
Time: h=9 m=55
